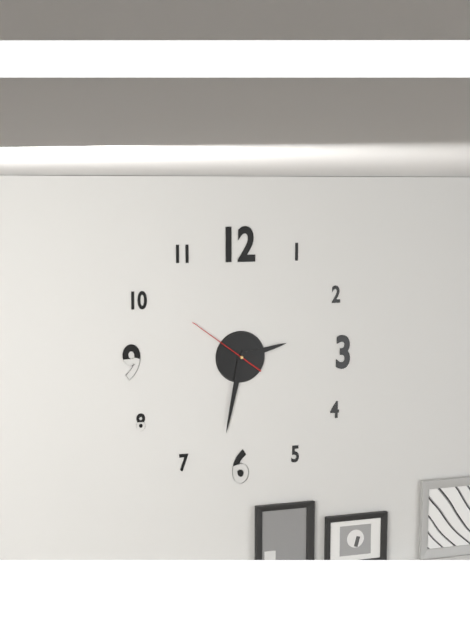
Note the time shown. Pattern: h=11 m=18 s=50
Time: h=2 m=32 s=51
